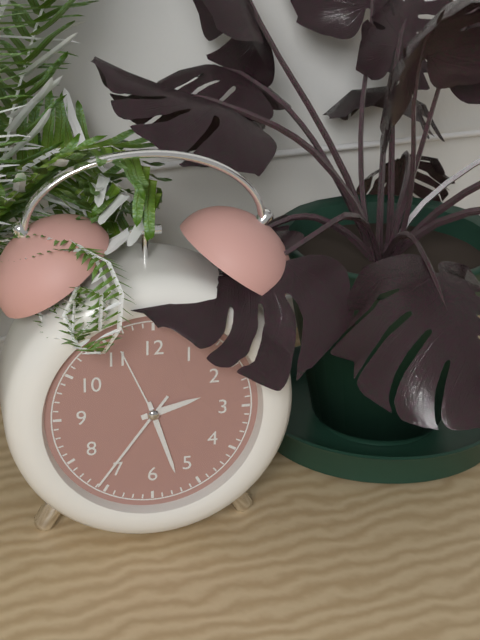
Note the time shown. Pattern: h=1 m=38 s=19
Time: h=2 m=27 s=36
